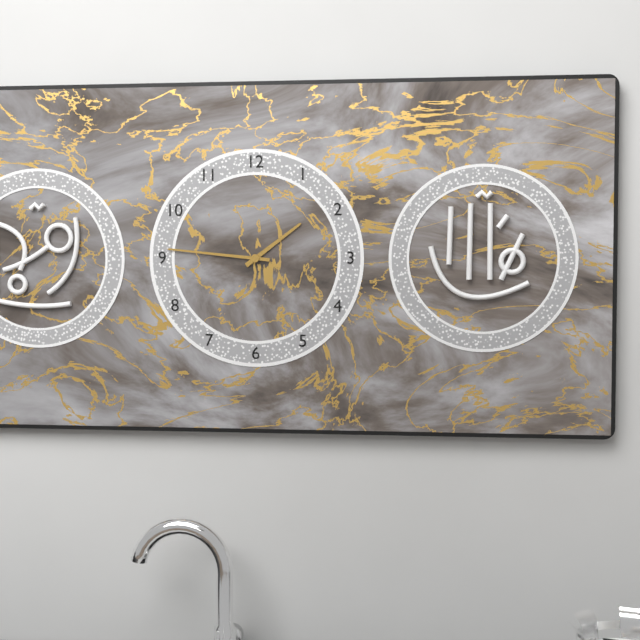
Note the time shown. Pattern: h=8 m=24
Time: h=1 m=46
